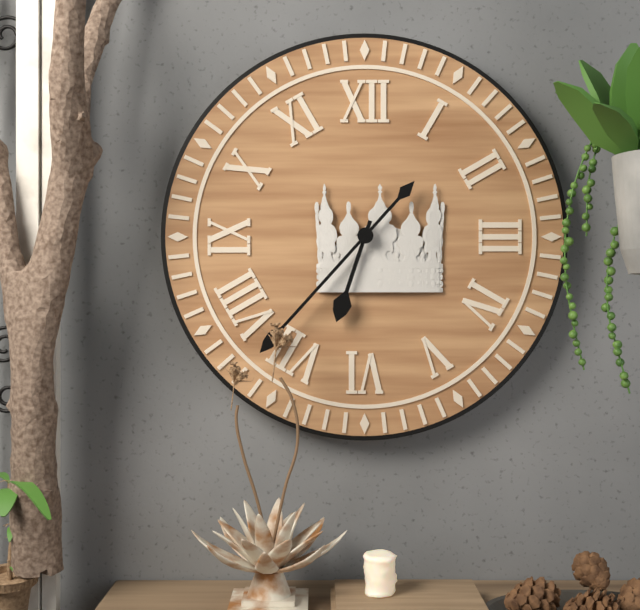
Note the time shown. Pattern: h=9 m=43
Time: h=6 m=37
